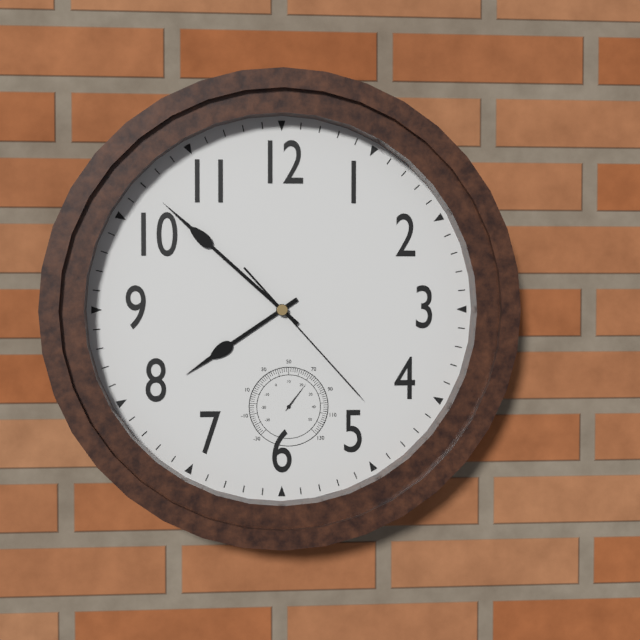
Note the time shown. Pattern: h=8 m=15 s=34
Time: h=7 m=52 s=23
